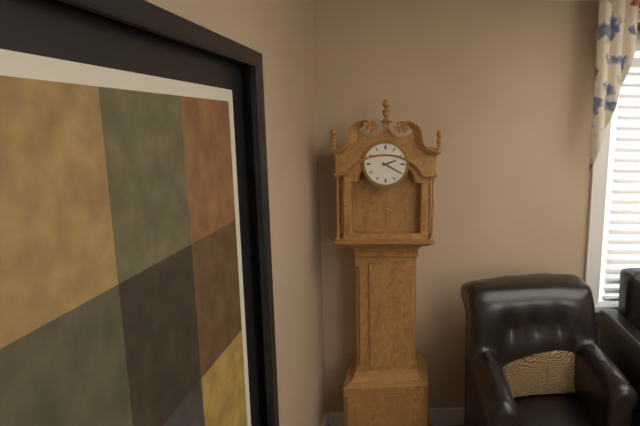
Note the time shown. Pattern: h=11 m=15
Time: h=2 m=20
